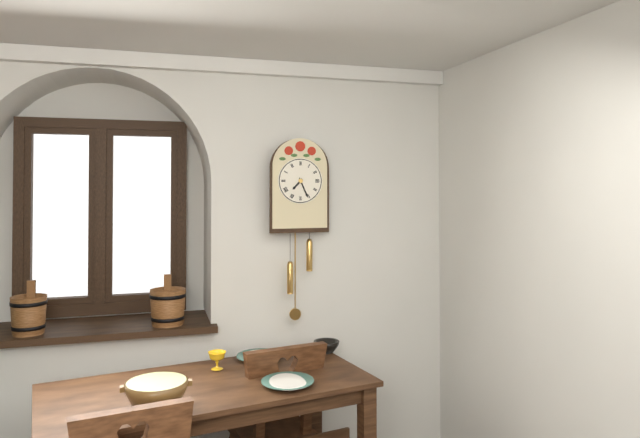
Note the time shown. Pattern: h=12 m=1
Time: h=7 m=26
